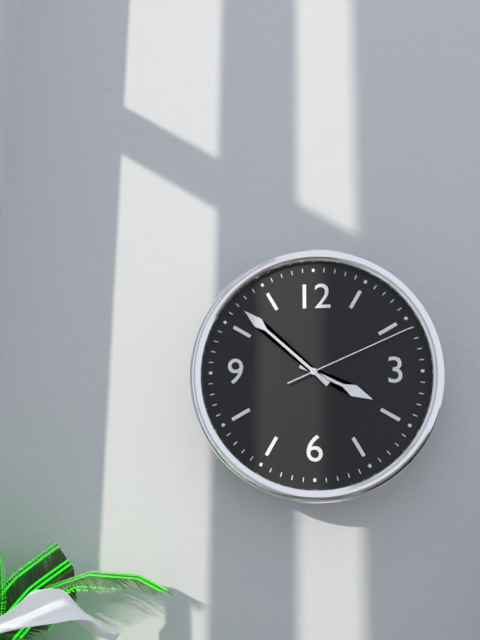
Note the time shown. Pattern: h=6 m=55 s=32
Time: h=3 m=52 s=11
